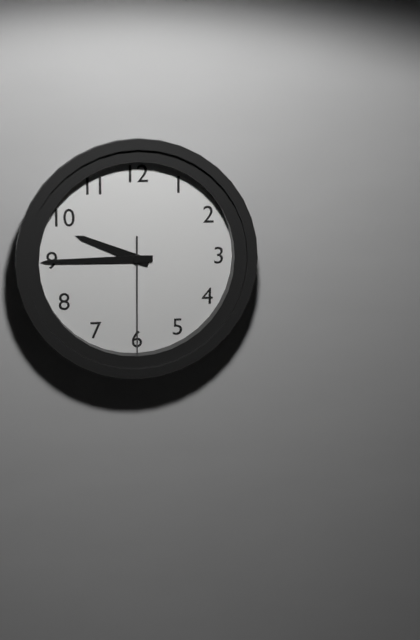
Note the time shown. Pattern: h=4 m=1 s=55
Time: h=9 m=45 s=30
